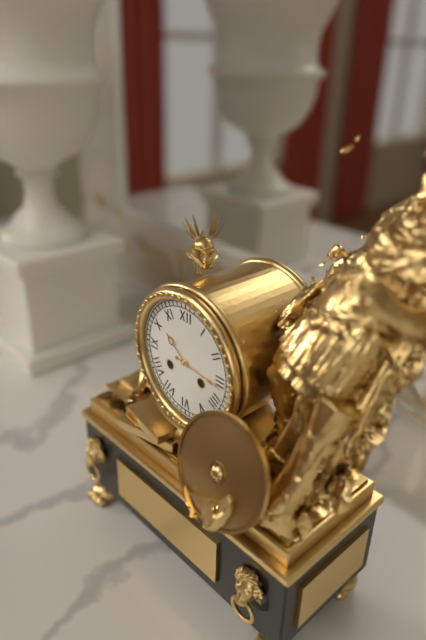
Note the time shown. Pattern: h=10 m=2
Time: h=10 m=16
